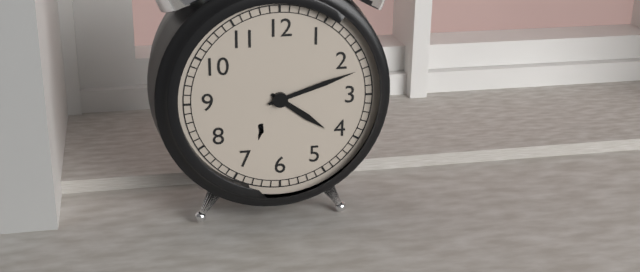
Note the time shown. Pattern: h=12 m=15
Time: h=4 m=12
